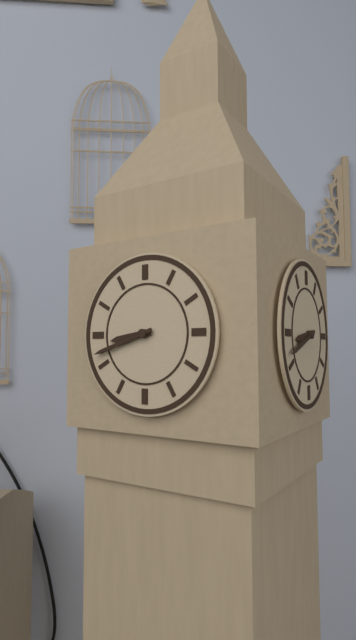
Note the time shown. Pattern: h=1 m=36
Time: h=8 m=42
